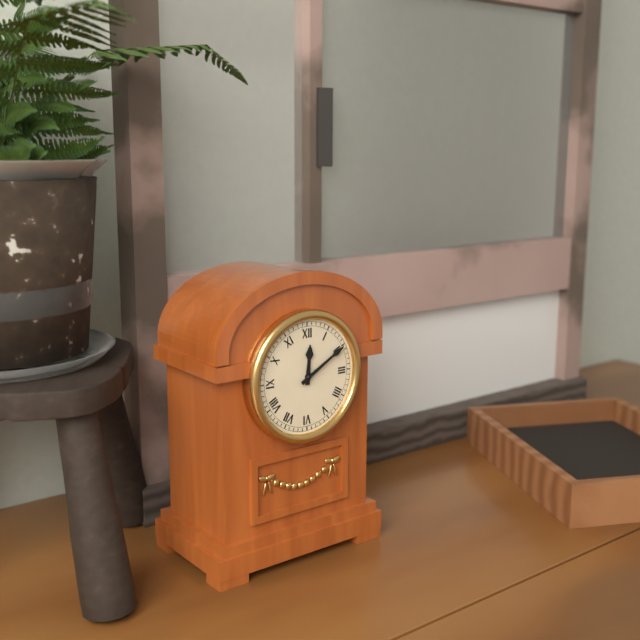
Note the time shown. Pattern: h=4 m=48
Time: h=12 m=10
